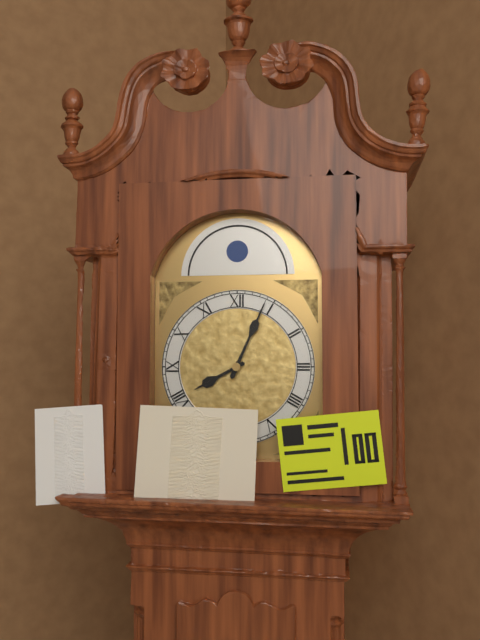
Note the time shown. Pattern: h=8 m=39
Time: h=8 m=4
